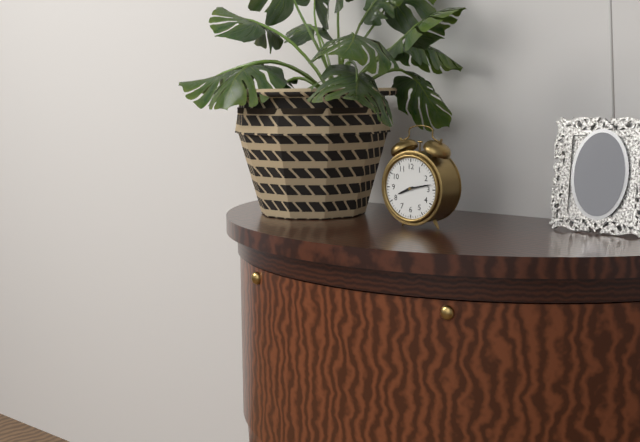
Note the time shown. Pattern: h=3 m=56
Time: h=8 m=13
